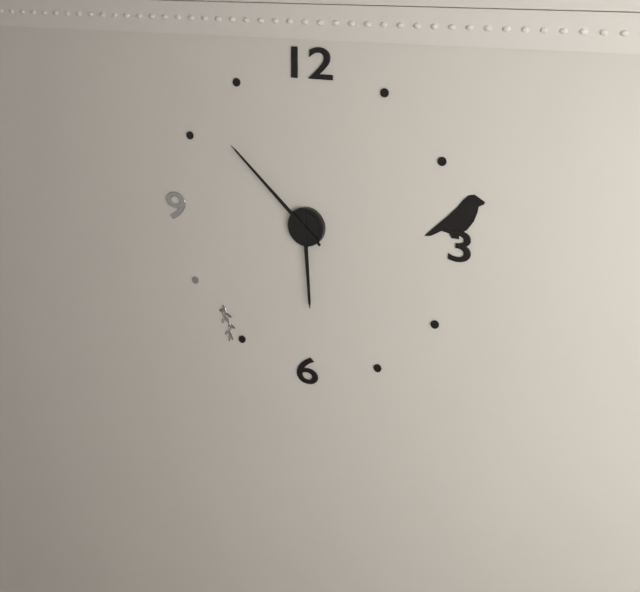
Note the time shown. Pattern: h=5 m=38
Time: h=5 m=52
